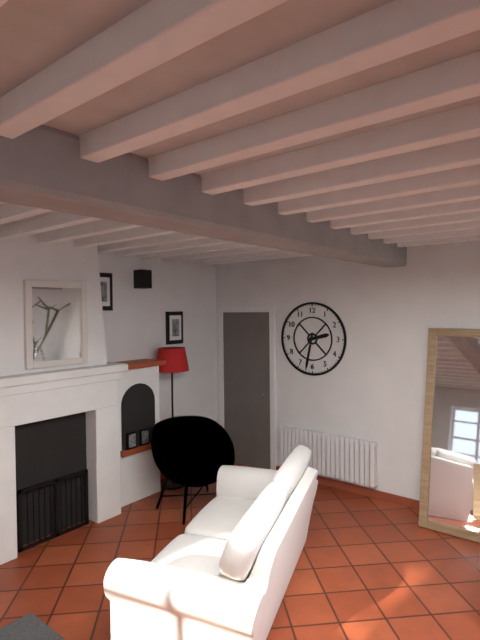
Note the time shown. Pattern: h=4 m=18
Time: h=2 m=32
